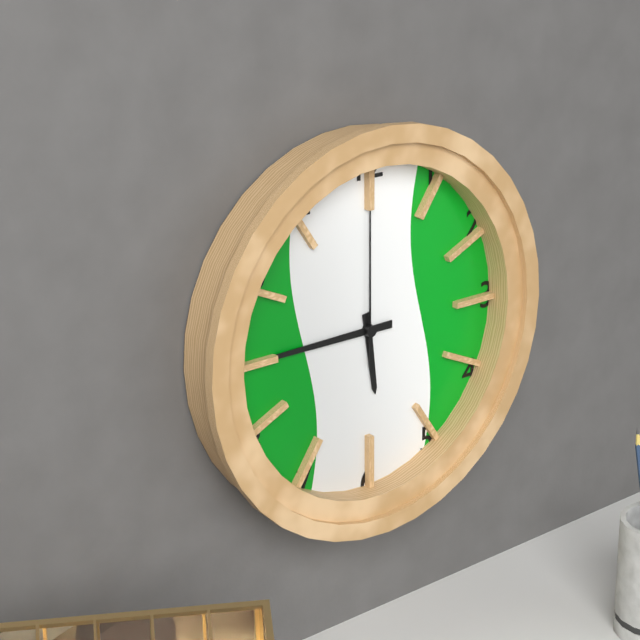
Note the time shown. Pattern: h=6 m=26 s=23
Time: h=5 m=45 s=0
